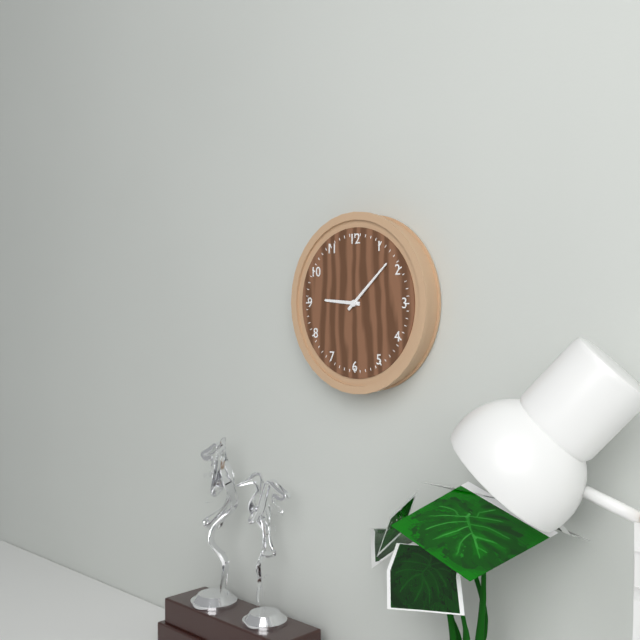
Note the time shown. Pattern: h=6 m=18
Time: h=9 m=8
